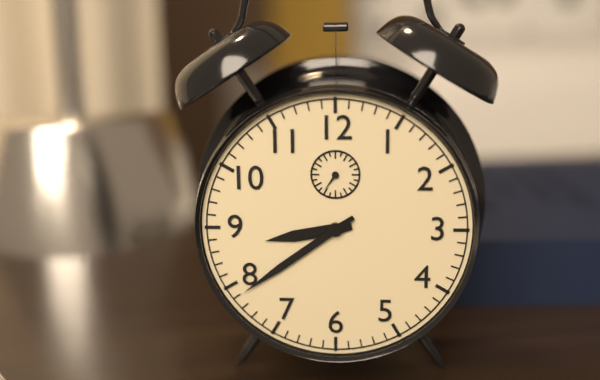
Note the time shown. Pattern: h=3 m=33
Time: h=8 m=39
